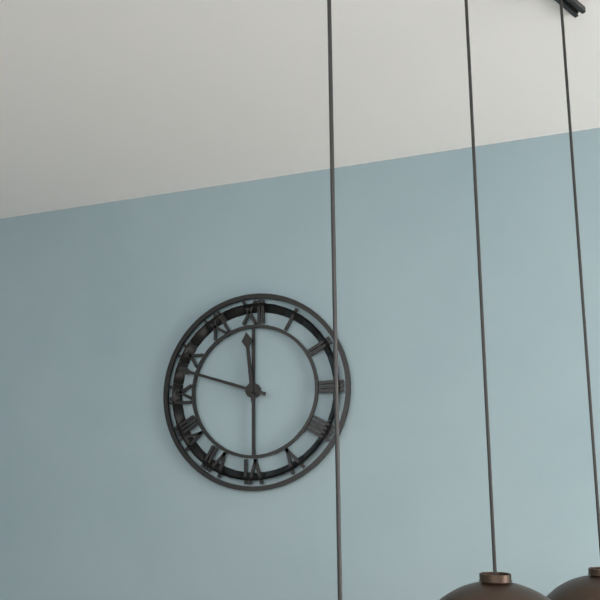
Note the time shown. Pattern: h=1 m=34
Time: h=11 m=48
